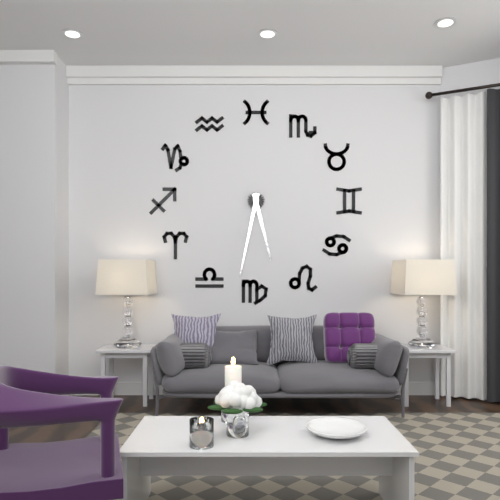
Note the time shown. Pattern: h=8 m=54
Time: h=5 m=32
